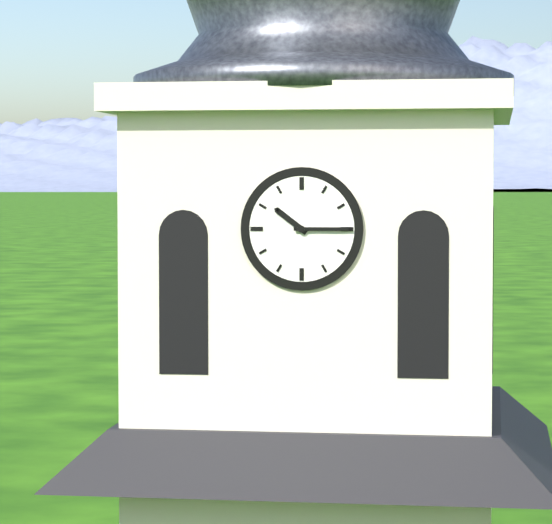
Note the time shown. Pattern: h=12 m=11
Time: h=10 m=15
